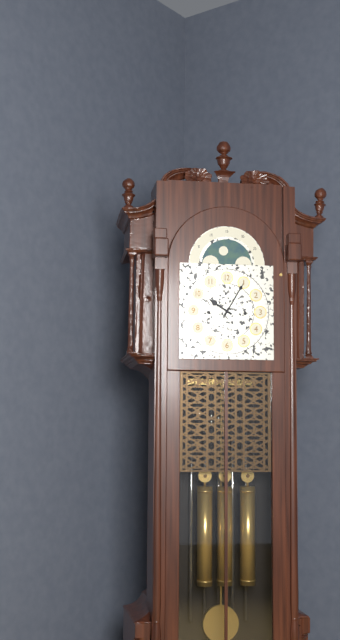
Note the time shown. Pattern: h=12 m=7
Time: h=10 m=5
